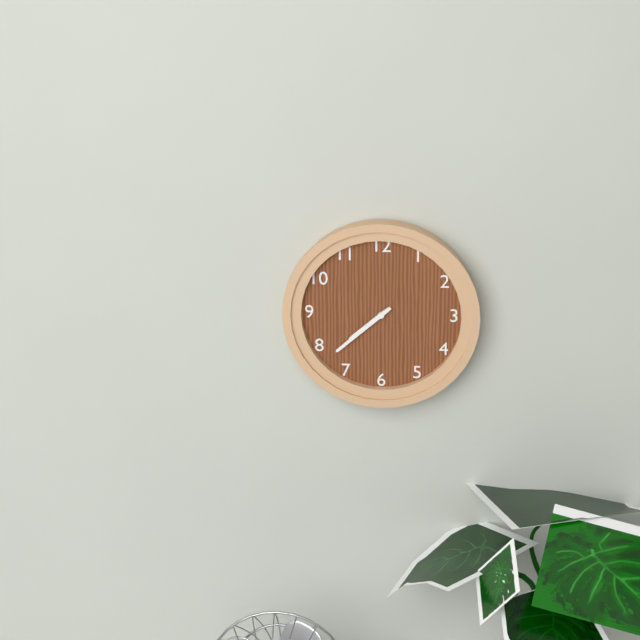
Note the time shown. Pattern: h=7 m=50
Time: h=7 m=38
